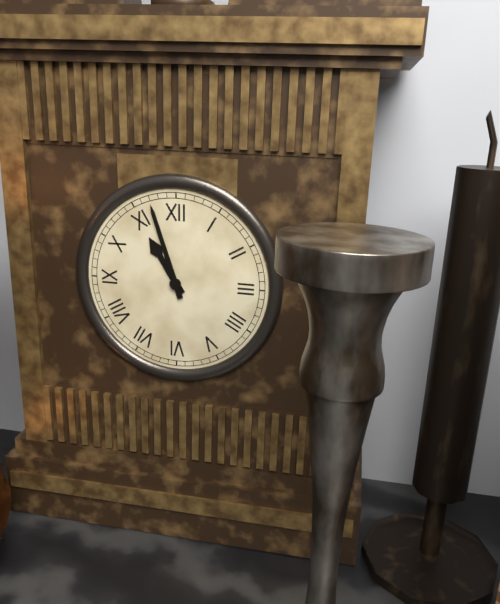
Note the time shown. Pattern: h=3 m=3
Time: h=10 m=57
